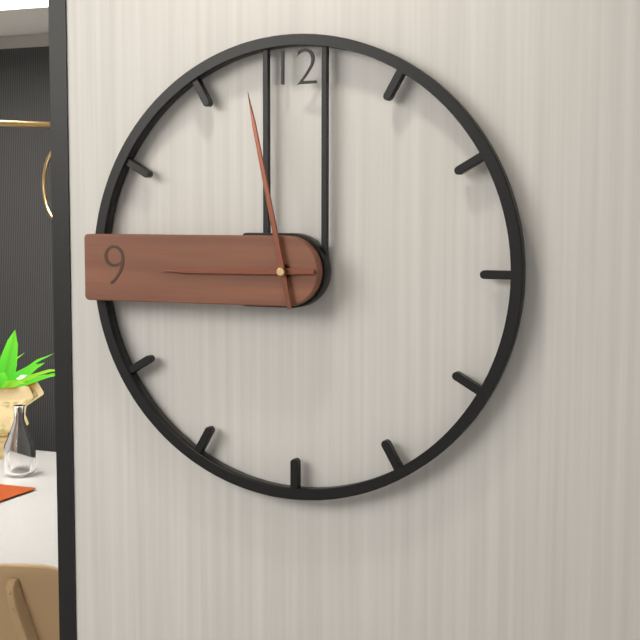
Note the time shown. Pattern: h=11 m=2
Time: h=8 m=58
